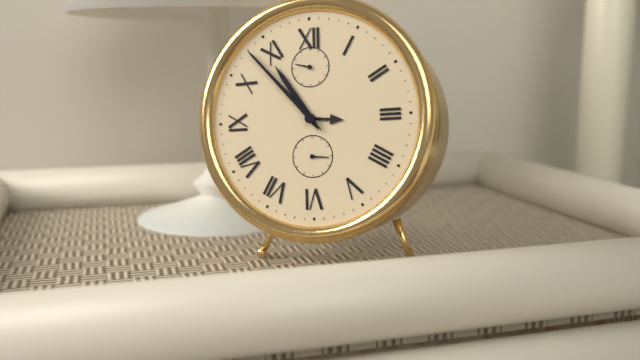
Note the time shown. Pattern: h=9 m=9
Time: h=10 m=53
